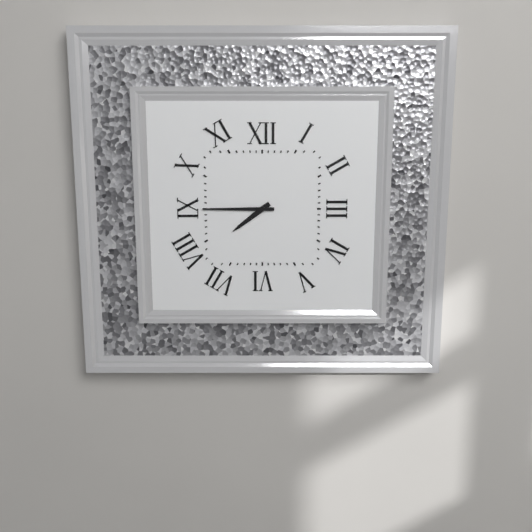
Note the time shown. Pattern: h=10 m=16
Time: h=7 m=45
